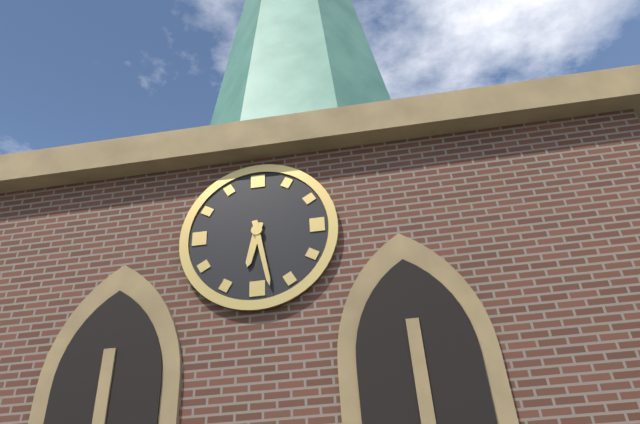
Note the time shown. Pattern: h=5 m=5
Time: h=6 m=28
